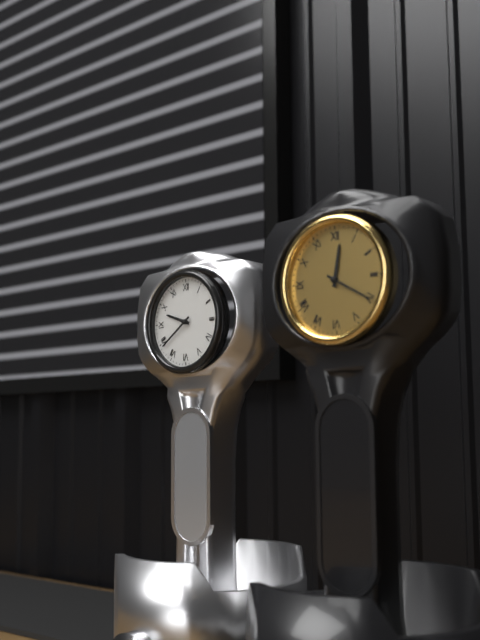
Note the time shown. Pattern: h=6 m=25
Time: h=9 m=39
